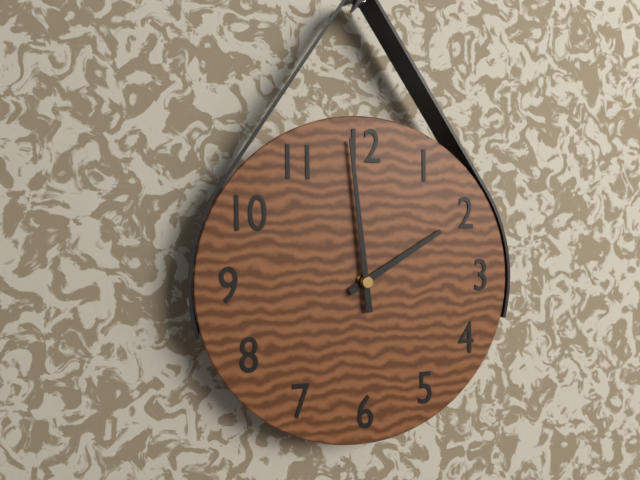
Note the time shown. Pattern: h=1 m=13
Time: h=1 m=59
